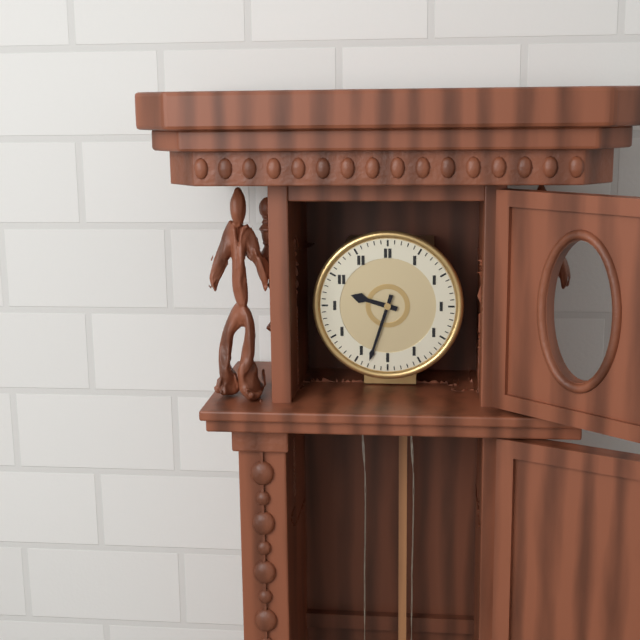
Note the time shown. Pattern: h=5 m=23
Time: h=9 m=33
